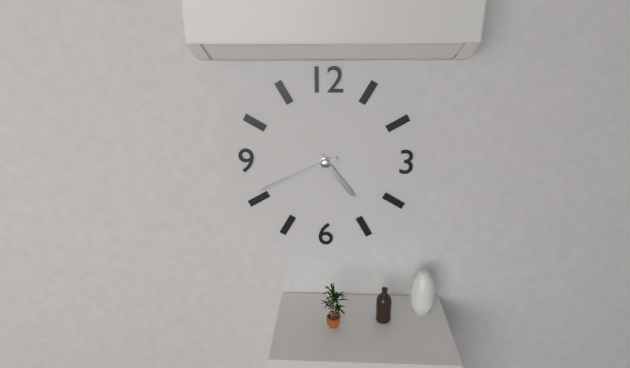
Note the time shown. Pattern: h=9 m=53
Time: h=4 m=41
